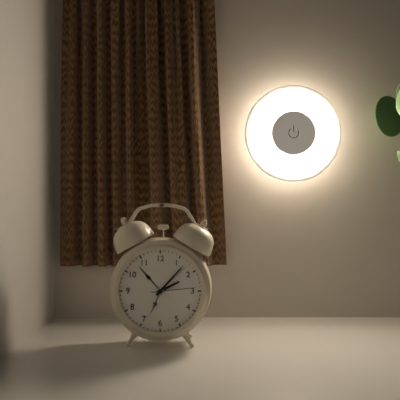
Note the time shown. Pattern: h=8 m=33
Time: h=2 m=7
